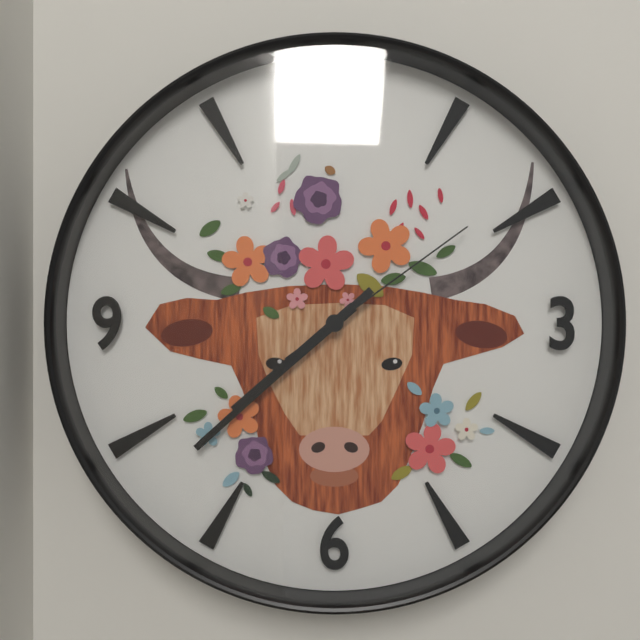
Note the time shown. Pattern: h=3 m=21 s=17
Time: h=7 m=38 s=9
